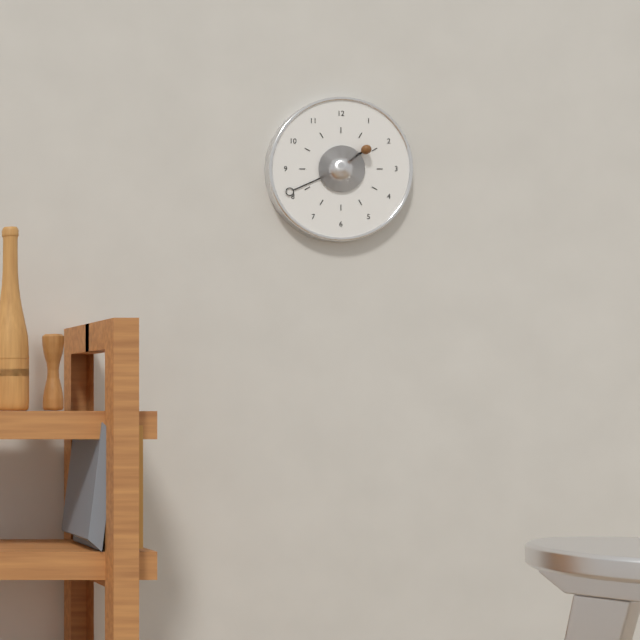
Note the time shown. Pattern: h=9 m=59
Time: h=1 m=41
